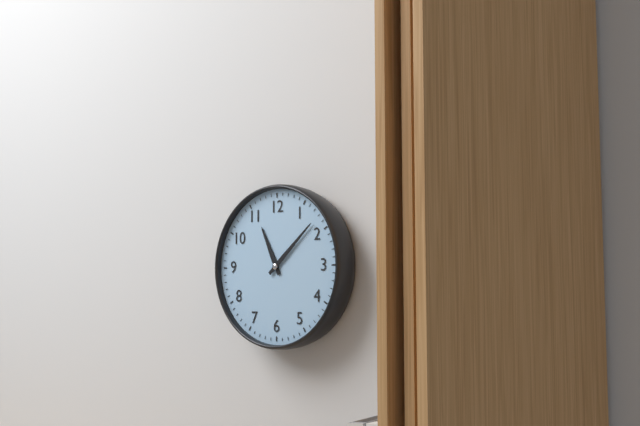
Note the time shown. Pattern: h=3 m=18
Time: h=11 m=8
